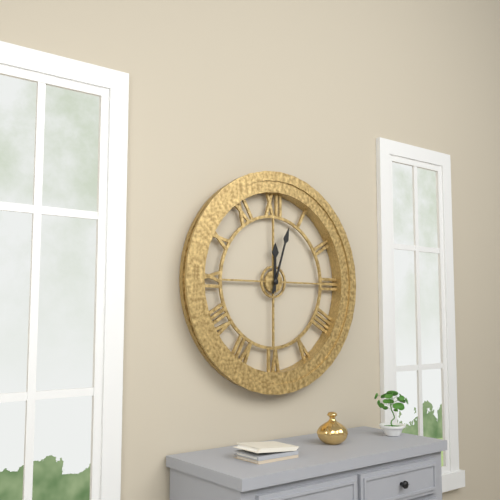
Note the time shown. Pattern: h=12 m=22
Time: h=12 m=3
